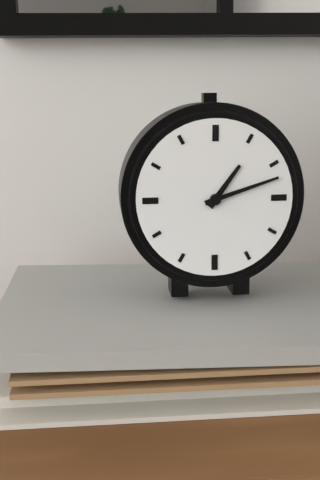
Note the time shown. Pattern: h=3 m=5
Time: h=1 m=12
